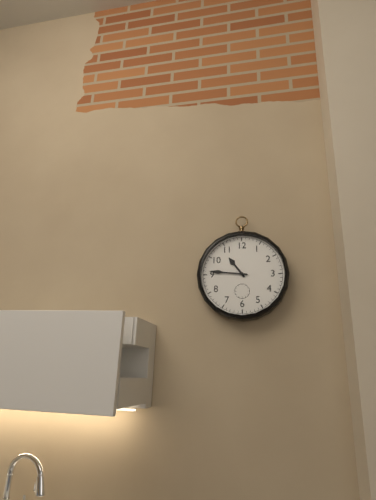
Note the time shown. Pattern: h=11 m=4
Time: h=10 m=46
